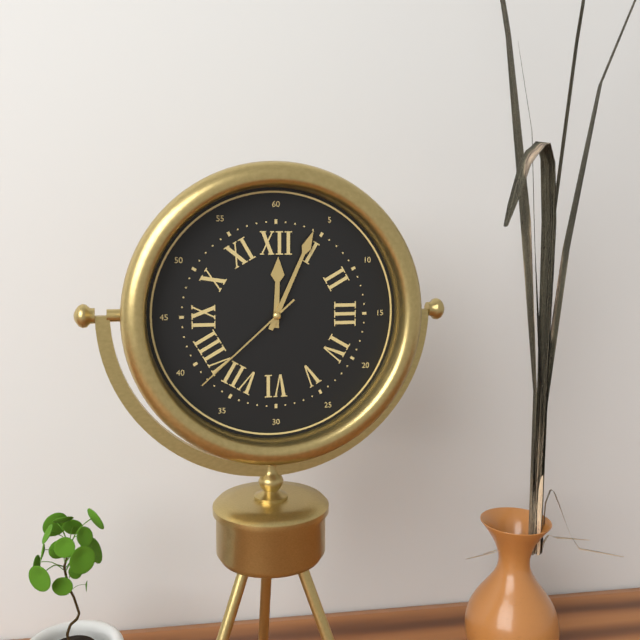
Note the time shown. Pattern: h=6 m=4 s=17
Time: h=12 m=4 s=38
